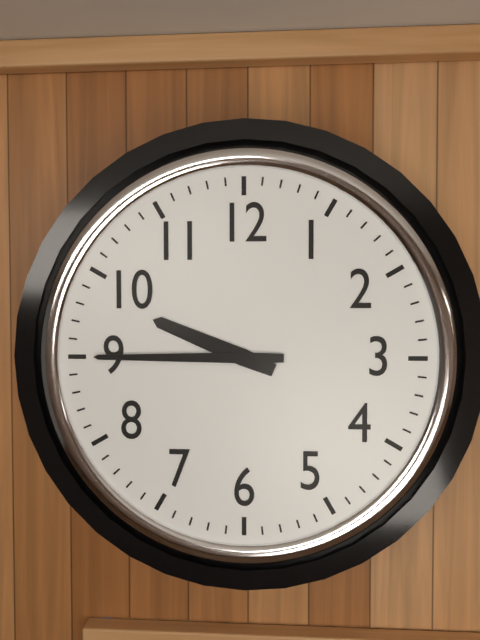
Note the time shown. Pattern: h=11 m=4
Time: h=9 m=45
